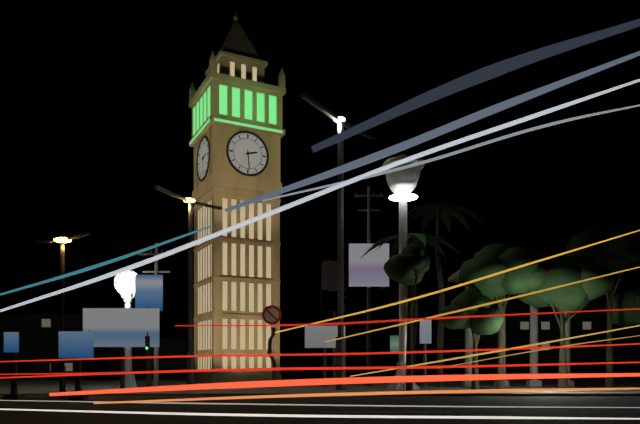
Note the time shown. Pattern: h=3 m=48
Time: h=2 m=29
